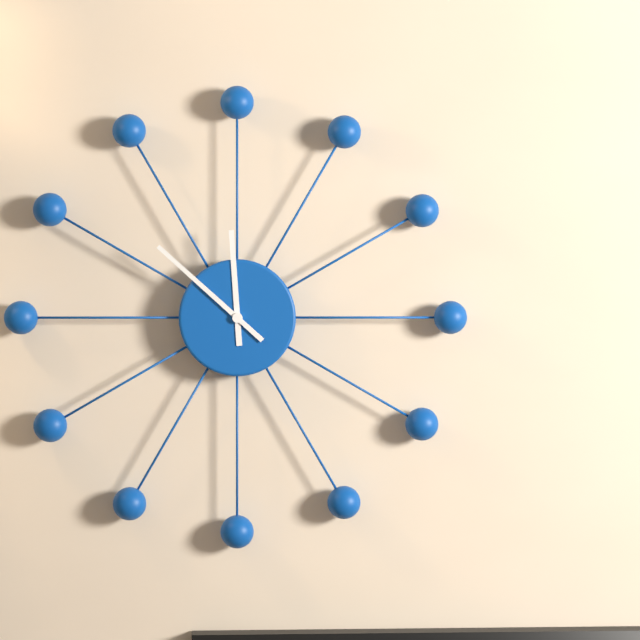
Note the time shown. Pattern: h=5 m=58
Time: h=11 m=52
